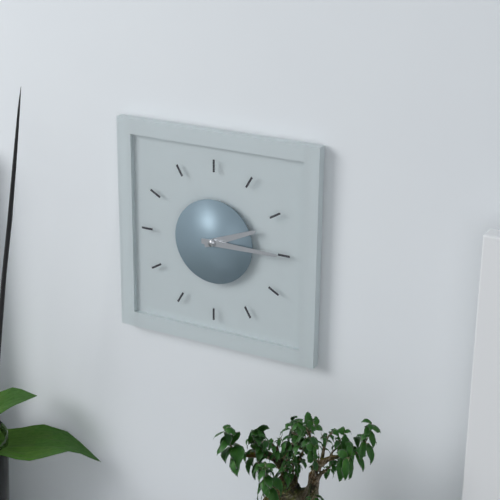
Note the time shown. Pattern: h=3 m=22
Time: h=2 m=15
